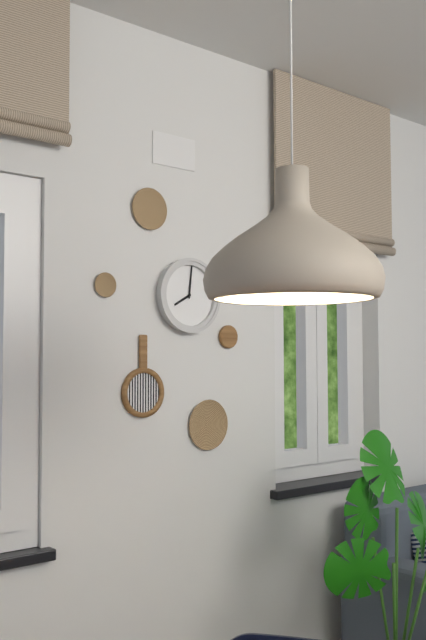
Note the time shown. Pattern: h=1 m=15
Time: h=8 m=1
